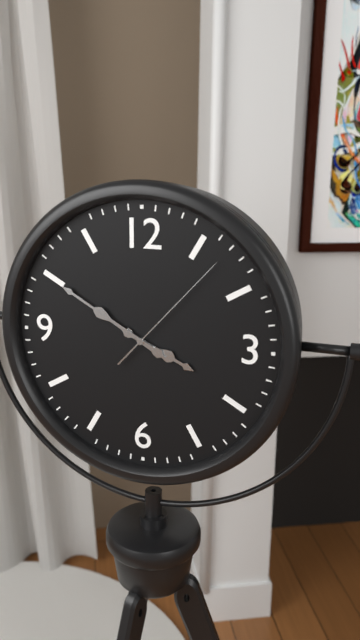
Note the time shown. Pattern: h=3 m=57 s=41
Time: h=3 m=50 s=7
